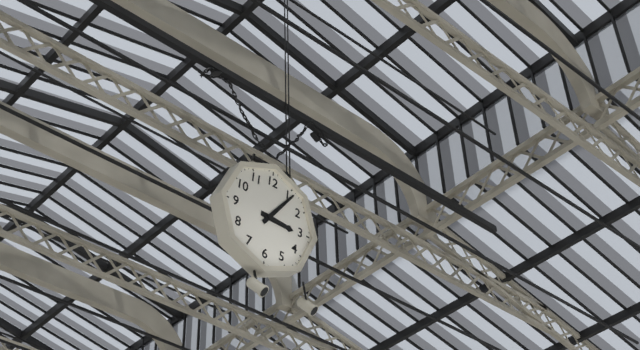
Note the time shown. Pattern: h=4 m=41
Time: h=3 m=6
